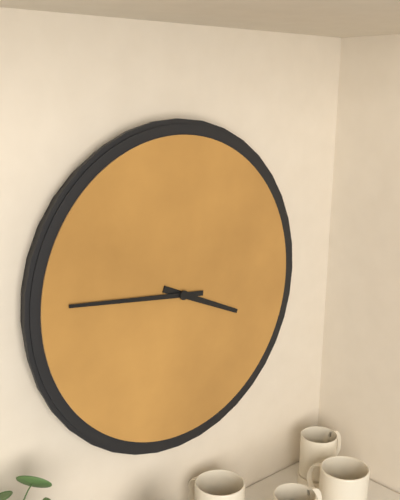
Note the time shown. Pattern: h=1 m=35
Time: h=3 m=46
